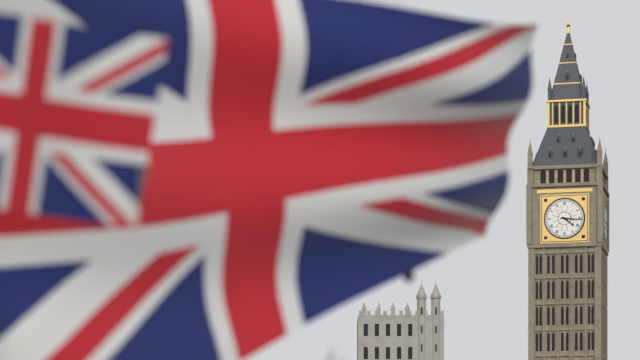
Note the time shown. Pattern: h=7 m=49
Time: h=4 m=16
